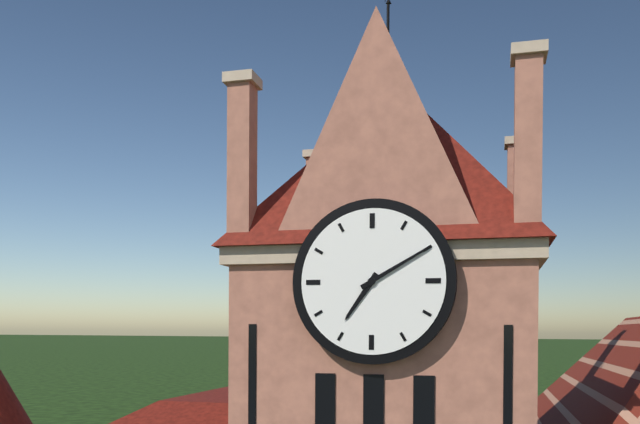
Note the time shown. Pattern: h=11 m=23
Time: h=7 m=10
